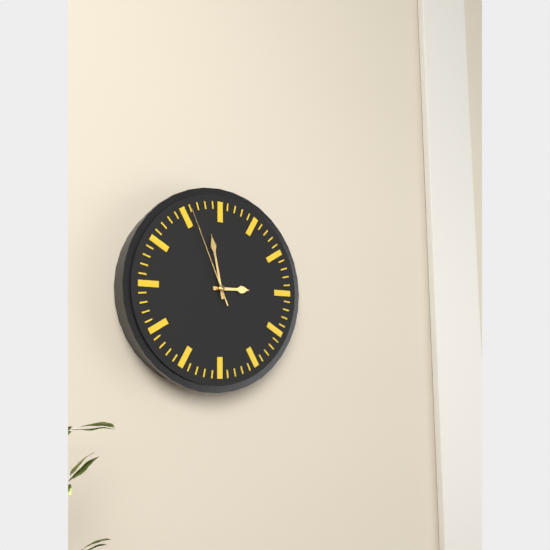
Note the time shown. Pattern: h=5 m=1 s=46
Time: h=2 m=58 s=56
